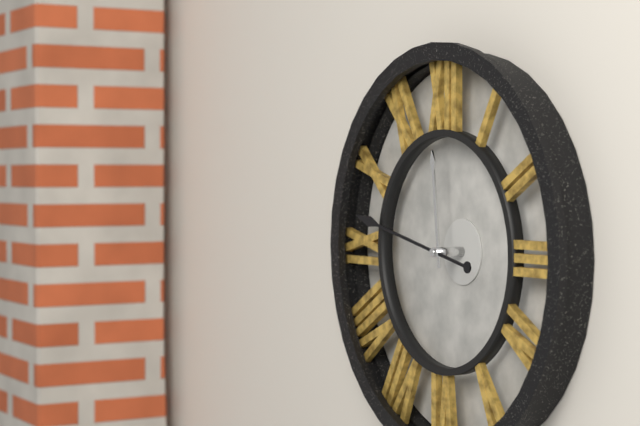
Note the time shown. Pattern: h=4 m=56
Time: h=11 m=47
